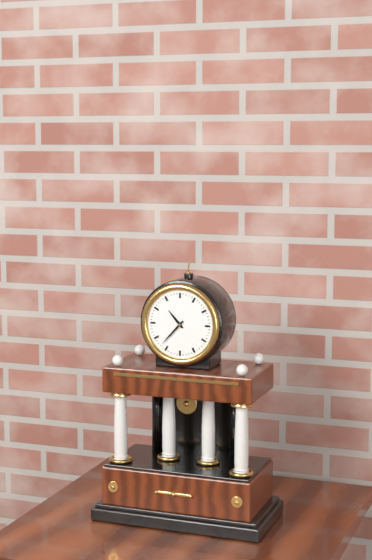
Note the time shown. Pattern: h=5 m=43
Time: h=10 m=37
